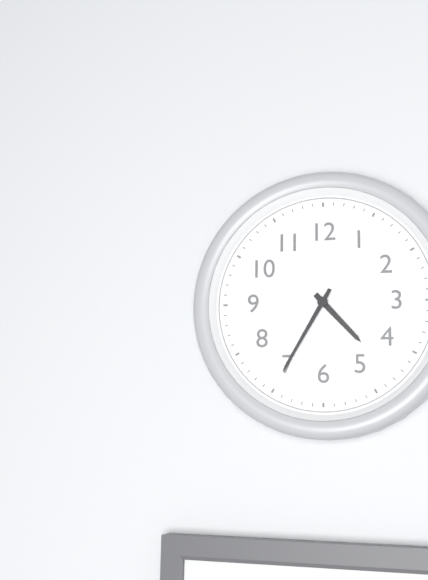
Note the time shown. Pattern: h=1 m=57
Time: h=4 m=35
